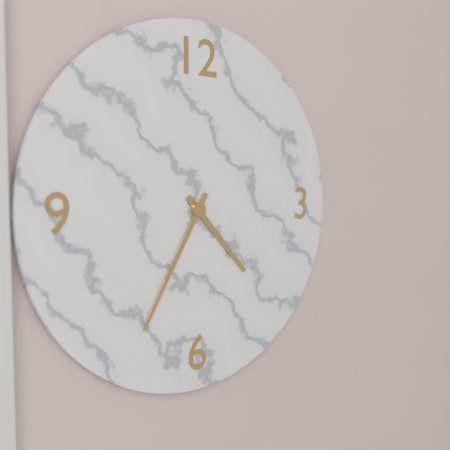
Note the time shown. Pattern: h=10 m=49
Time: h=4 m=35
